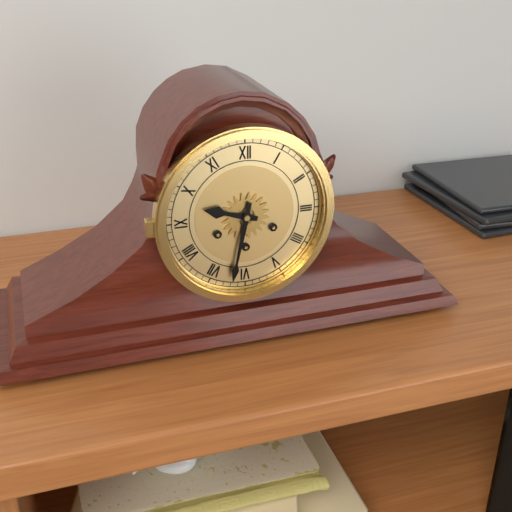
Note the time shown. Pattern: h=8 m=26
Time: h=9 m=32
